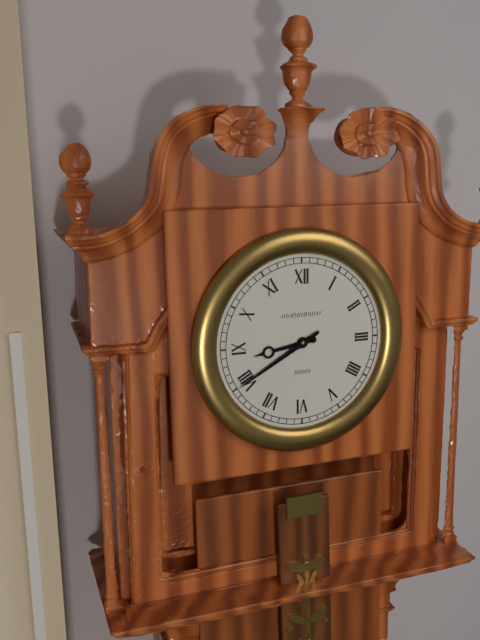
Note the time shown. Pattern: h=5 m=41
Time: h=8 m=40
